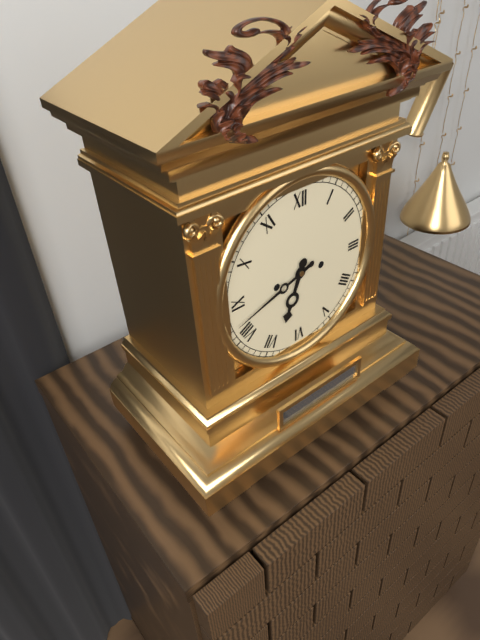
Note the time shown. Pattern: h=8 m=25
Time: h=6 m=42
